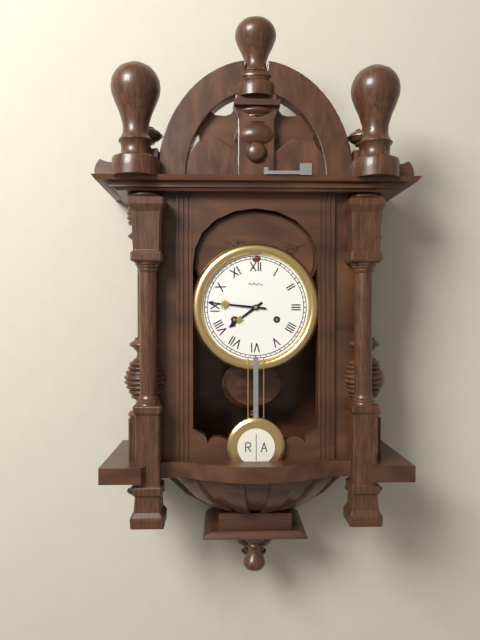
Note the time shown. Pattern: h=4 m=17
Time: h=7 m=46
